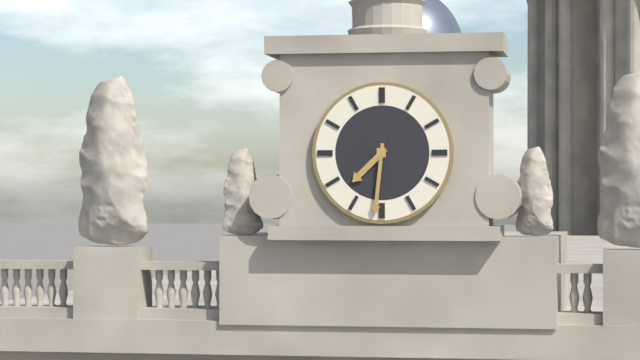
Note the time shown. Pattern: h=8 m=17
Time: h=7 m=31
